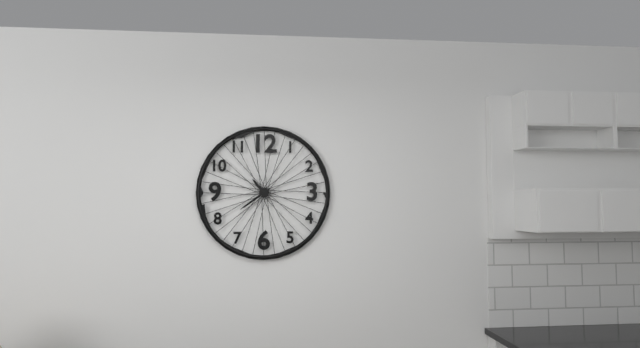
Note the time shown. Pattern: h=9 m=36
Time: h=10 m=39
